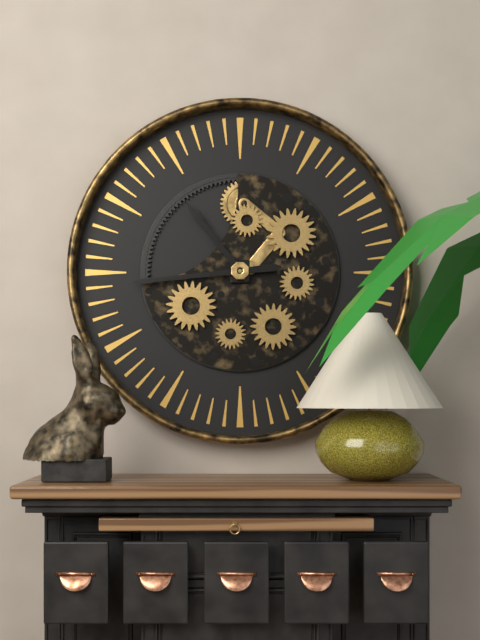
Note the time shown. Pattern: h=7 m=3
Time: h=10 m=44
